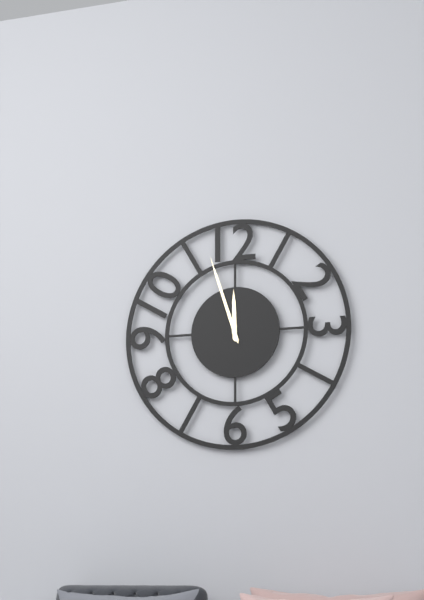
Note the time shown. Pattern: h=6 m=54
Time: h=11 m=57
